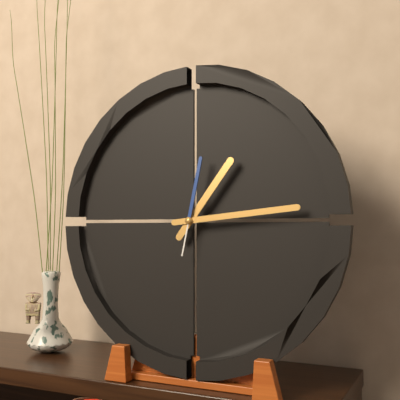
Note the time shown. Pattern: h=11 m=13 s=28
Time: h=1 m=14 s=2
